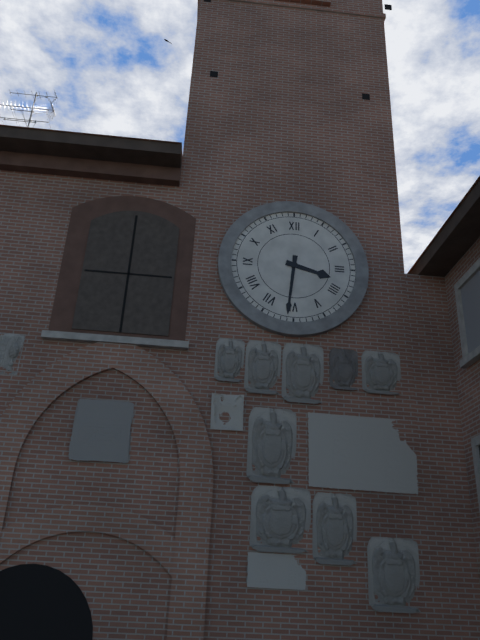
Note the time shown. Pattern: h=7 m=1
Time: h=3 m=31
